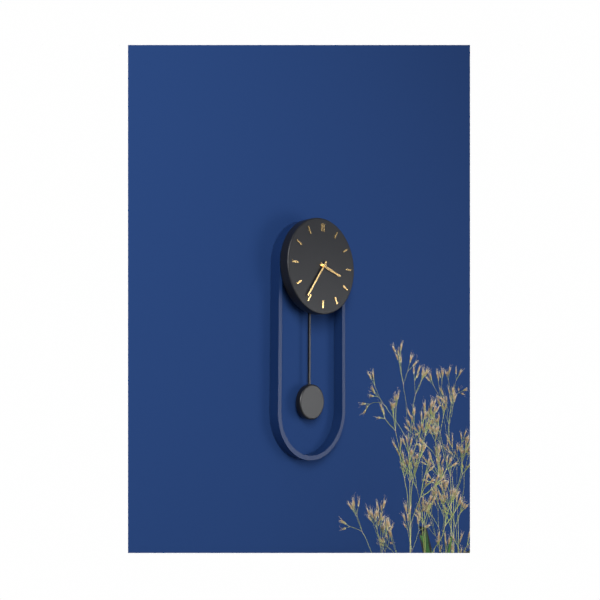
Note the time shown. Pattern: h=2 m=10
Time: h=3 m=36
